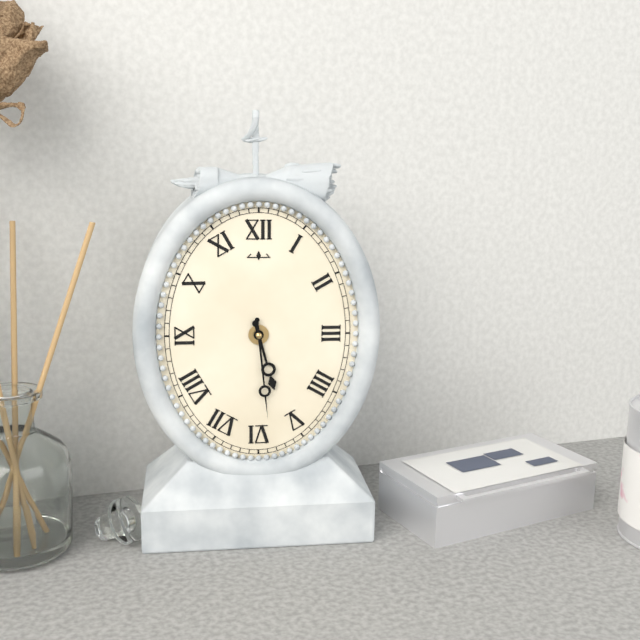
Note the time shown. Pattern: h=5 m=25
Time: h=5 m=29
